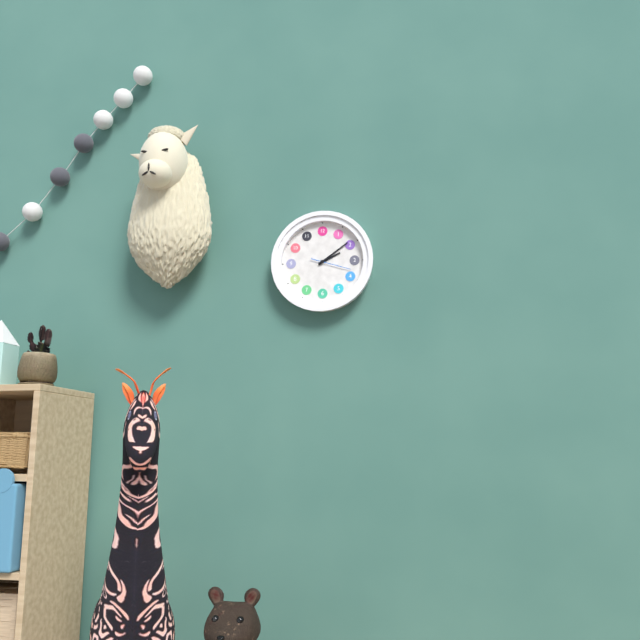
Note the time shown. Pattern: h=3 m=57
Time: h=2 m=9
